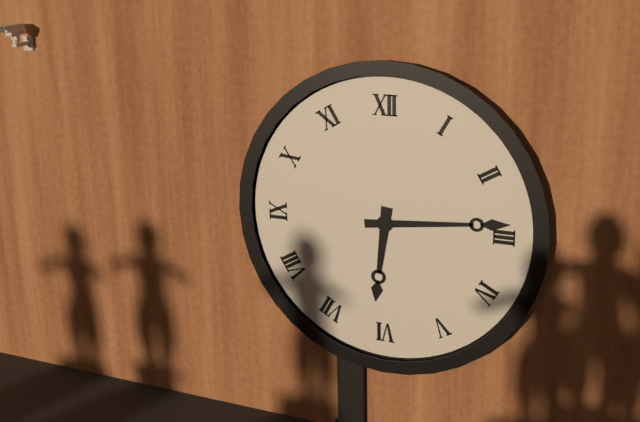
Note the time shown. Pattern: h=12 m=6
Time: h=6 m=14
